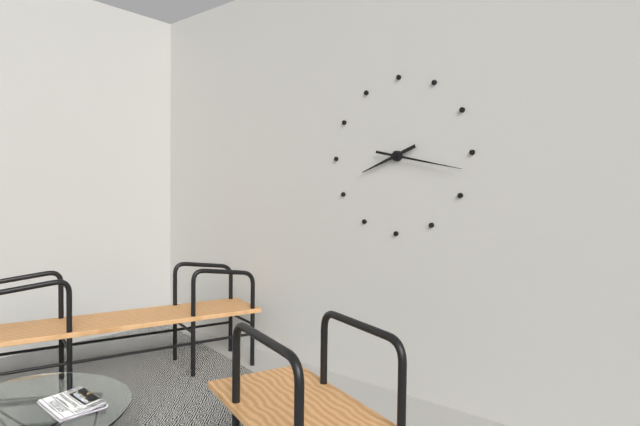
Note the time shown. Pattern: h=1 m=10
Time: h=8 m=17
